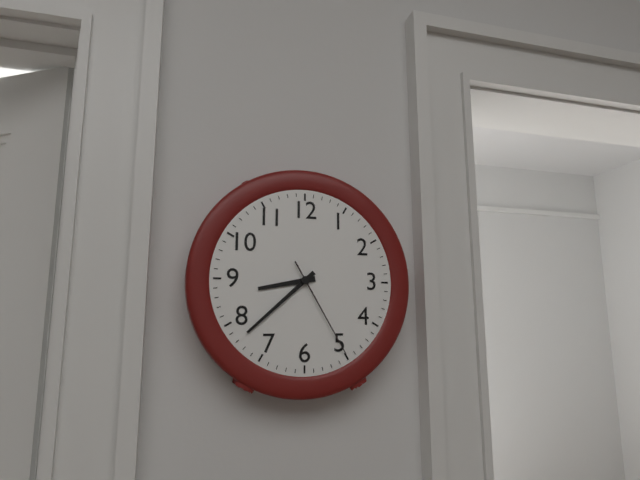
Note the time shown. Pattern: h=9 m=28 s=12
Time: h=8 m=38 s=25
